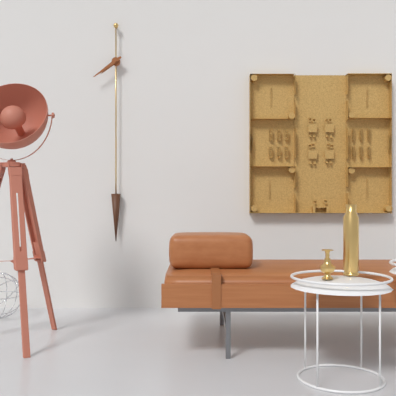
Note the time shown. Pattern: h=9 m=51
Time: h=7 m=39
